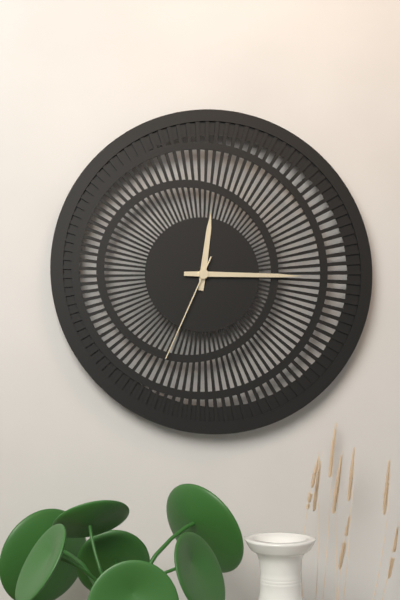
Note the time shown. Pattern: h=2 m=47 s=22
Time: h=12 m=15 s=34
